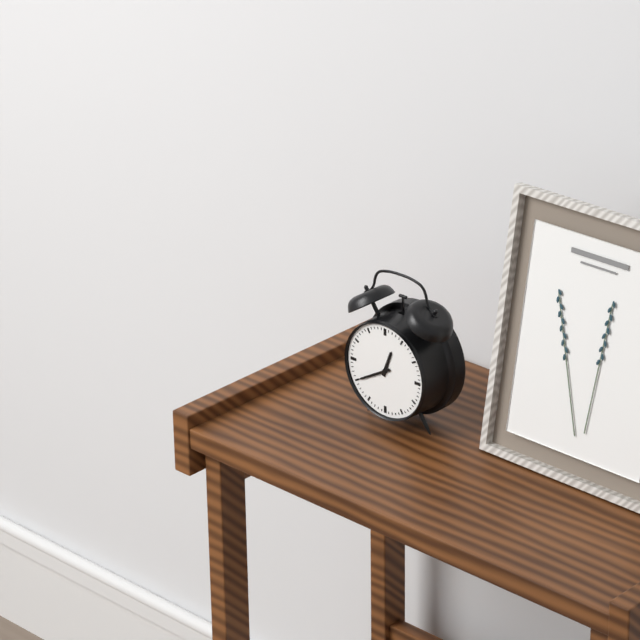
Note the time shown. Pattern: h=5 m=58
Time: h=12 m=40
